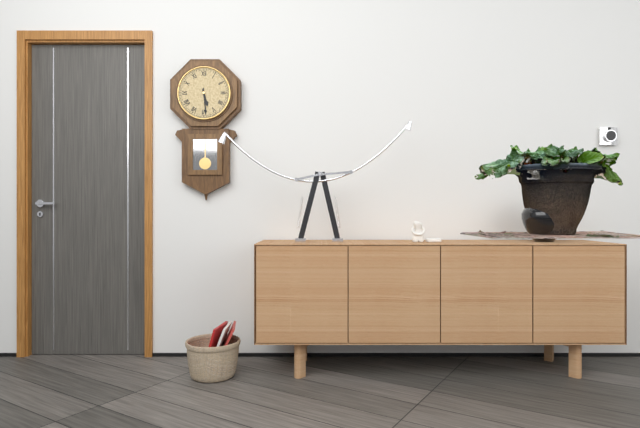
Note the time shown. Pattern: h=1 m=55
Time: h=5 m=29
